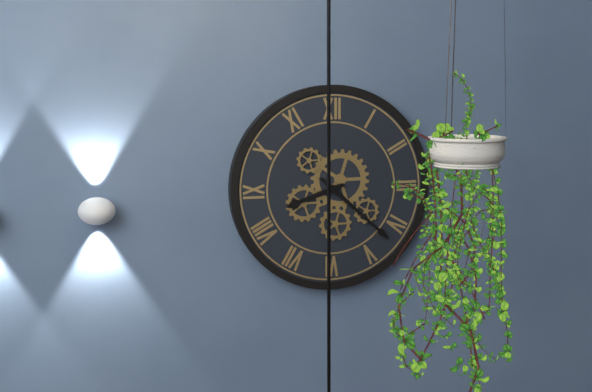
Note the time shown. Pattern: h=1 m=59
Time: h=8 m=22
